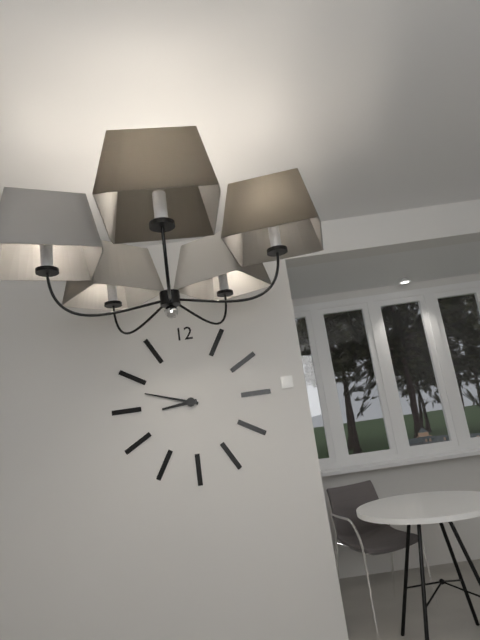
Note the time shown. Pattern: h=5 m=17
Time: h=8 m=48
